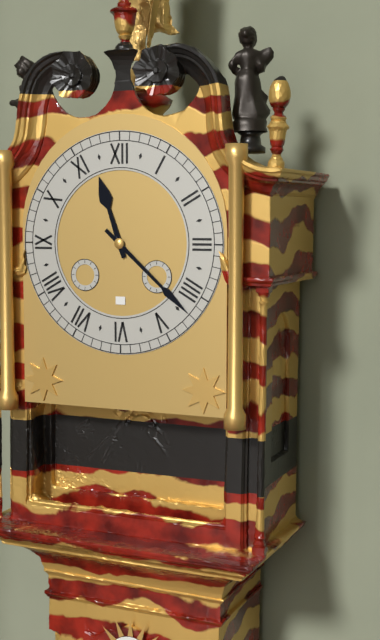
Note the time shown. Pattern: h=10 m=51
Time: h=11 m=22
